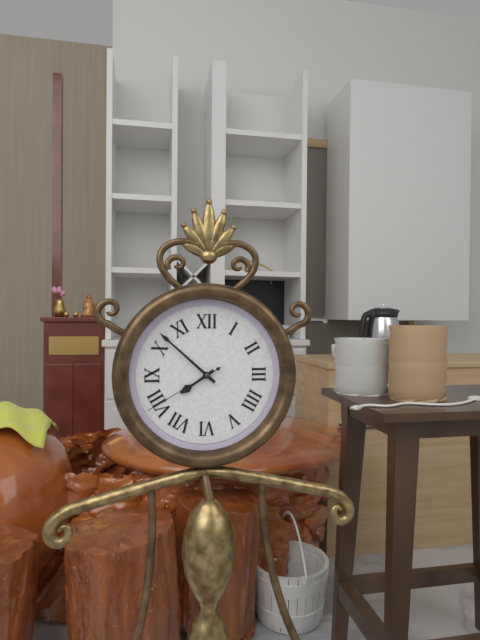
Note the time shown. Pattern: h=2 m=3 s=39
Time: h=7 m=52 s=40
